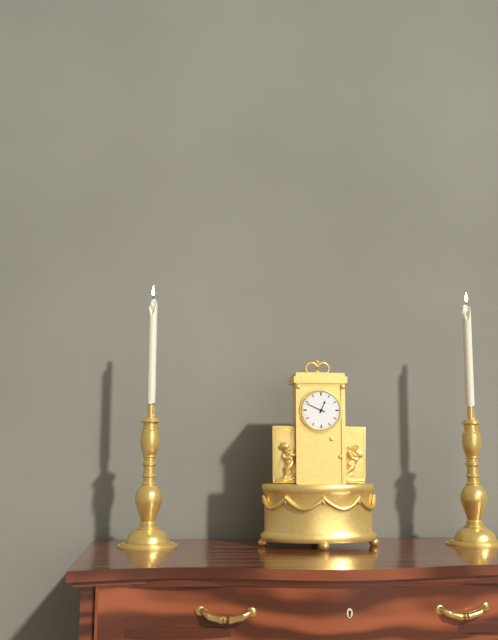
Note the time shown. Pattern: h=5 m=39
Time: h=12 m=49
